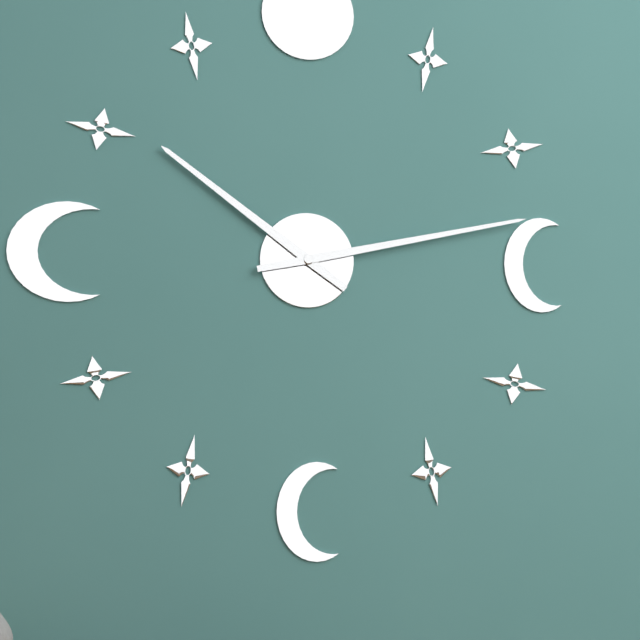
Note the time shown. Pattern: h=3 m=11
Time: h=10 m=13
